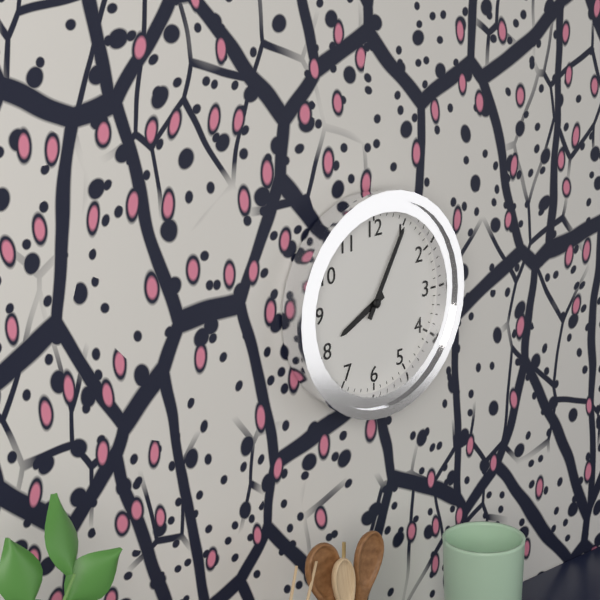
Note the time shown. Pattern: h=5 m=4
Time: h=8 m=5
